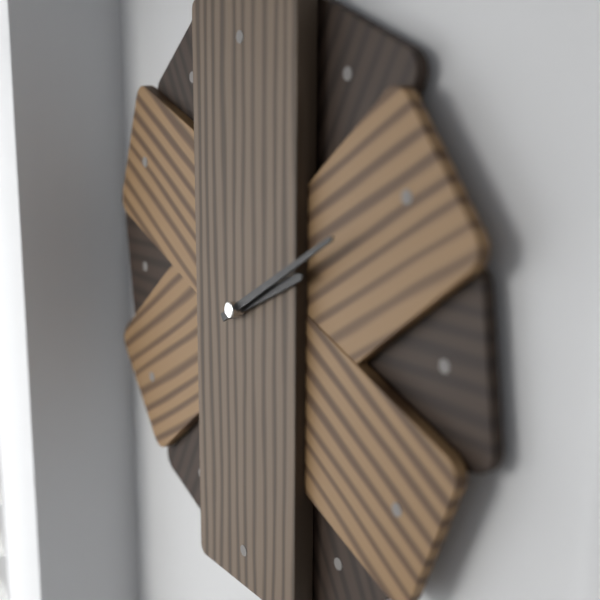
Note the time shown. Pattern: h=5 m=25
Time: h=2 m=10
